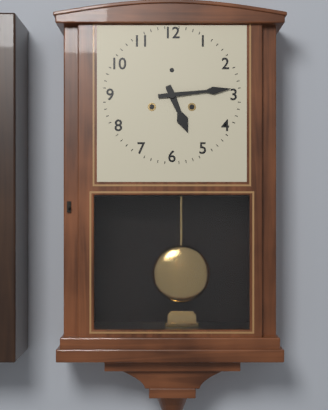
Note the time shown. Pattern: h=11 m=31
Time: h=5 m=14
